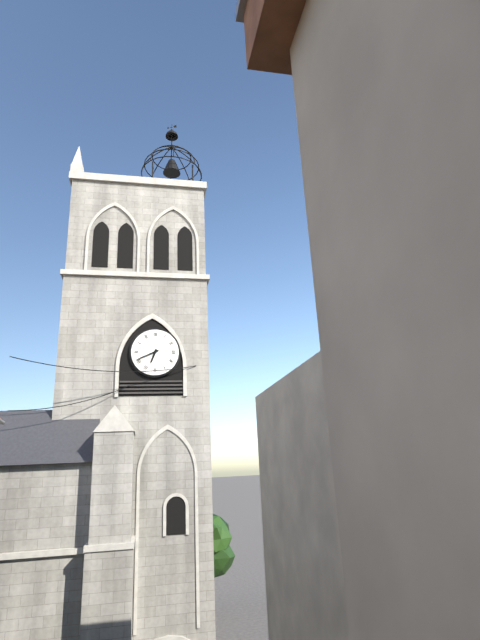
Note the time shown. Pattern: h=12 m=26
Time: h=6 m=41
